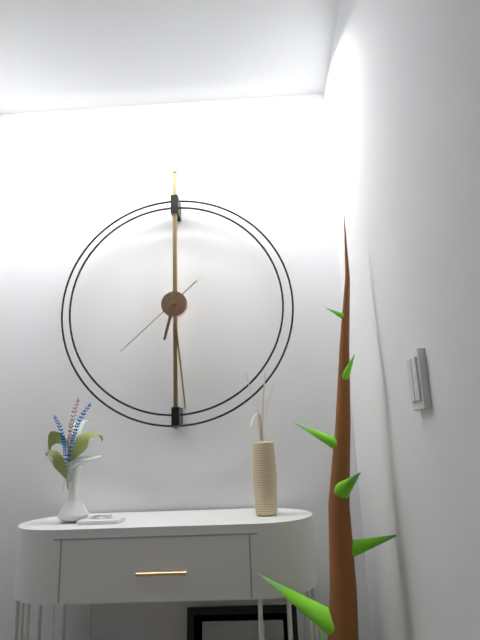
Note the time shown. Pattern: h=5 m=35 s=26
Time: h=6 m=29 s=38
